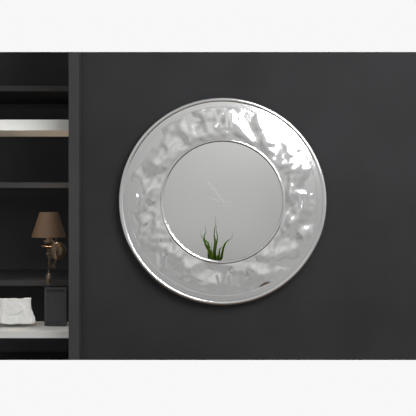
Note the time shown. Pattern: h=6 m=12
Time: h=10 m=47
